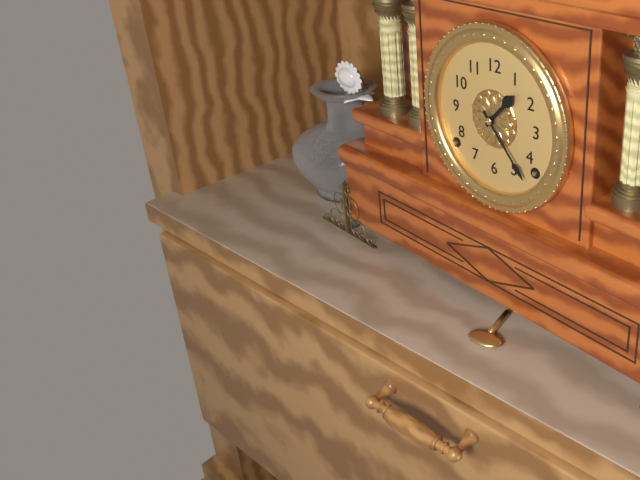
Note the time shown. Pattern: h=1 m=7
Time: h=1 m=23
